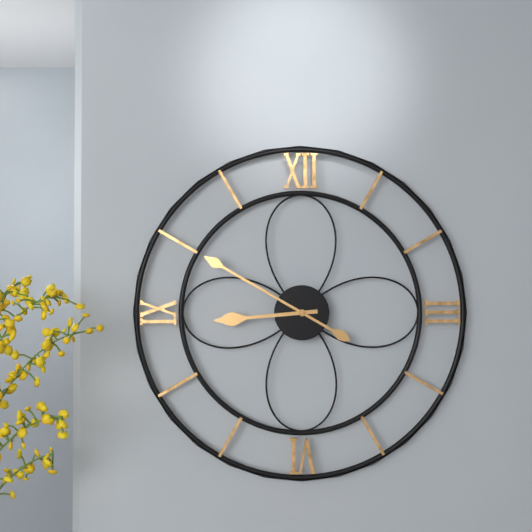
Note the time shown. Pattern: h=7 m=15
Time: h=8 m=50
